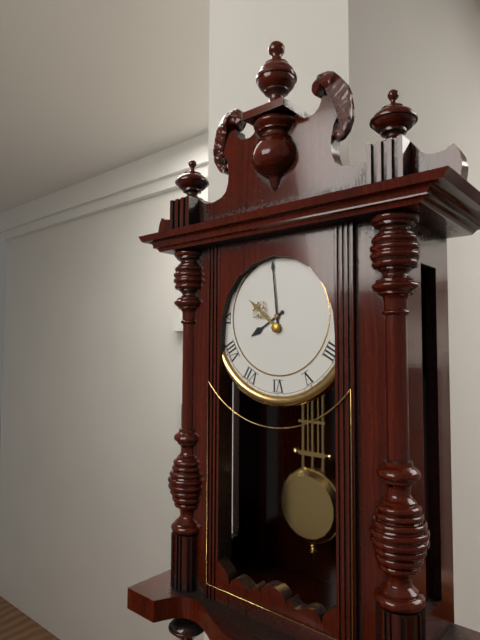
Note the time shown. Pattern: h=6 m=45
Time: h=7 m=59
